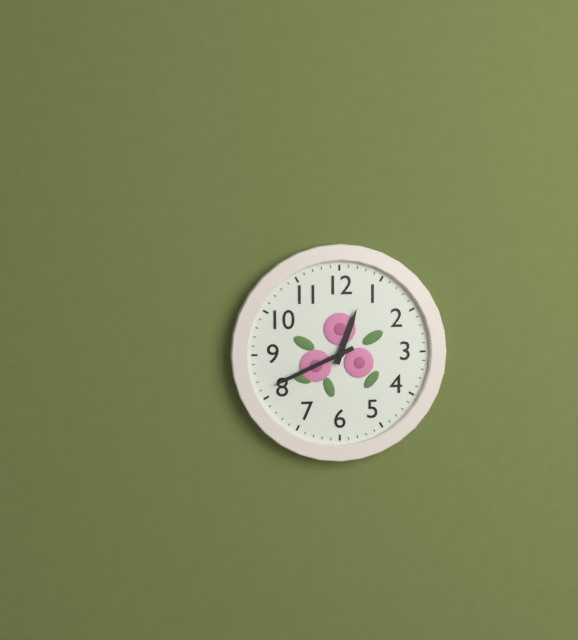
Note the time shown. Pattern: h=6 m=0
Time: h=12 m=41
